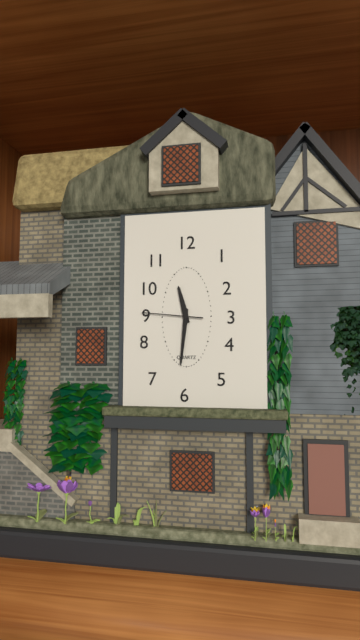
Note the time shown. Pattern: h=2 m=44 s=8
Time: h=11 m=31 s=46
